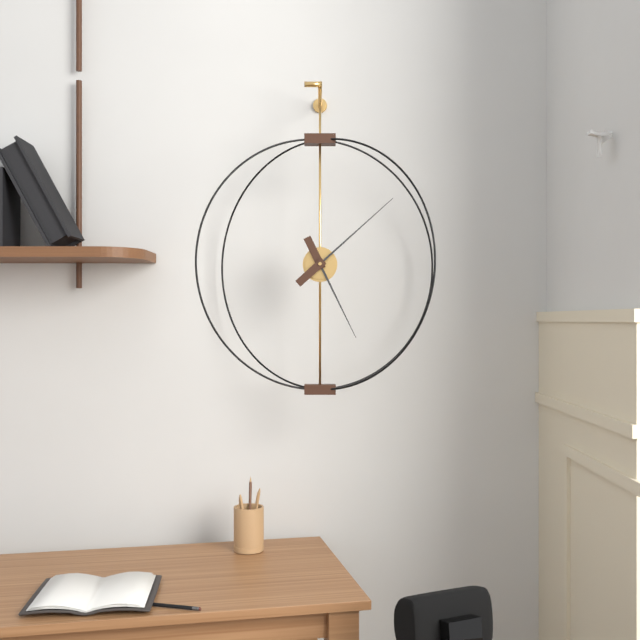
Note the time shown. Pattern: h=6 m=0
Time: h=5 m=8
